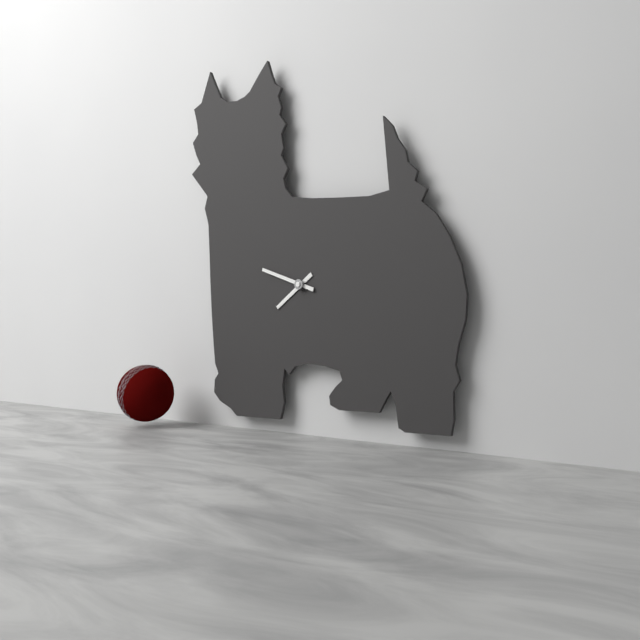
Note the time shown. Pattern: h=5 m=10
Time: h=7 m=48
